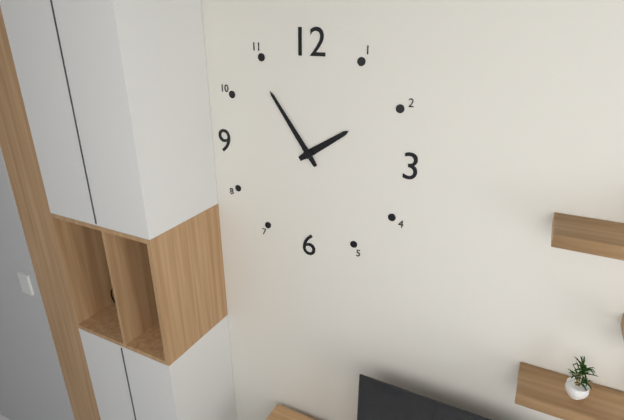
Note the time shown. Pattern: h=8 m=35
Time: h=1 m=54
